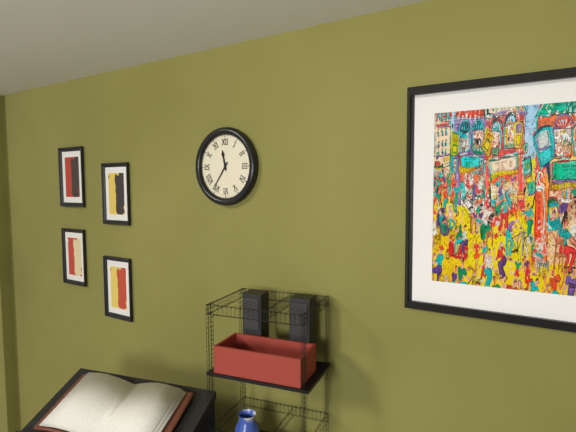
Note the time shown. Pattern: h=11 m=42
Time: h=11 m=36
